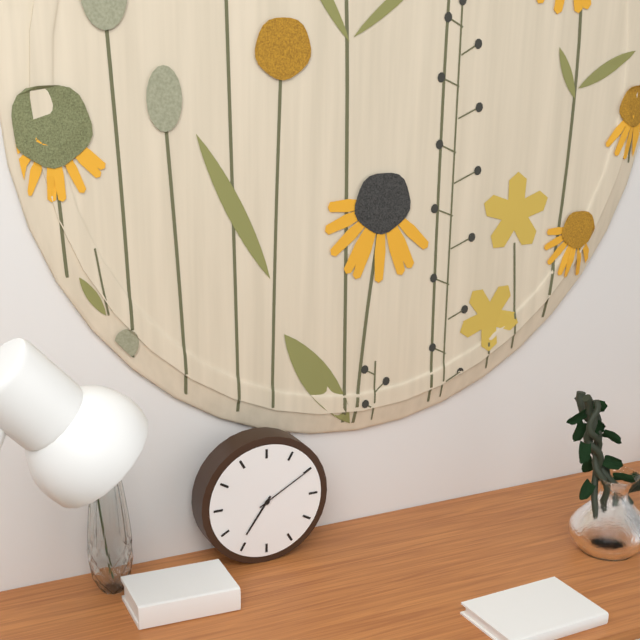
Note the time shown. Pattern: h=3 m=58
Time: h=7 m=10
